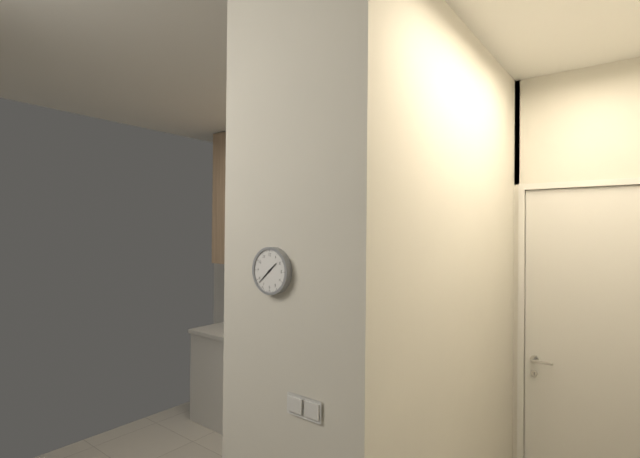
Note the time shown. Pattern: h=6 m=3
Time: h=1 m=38
